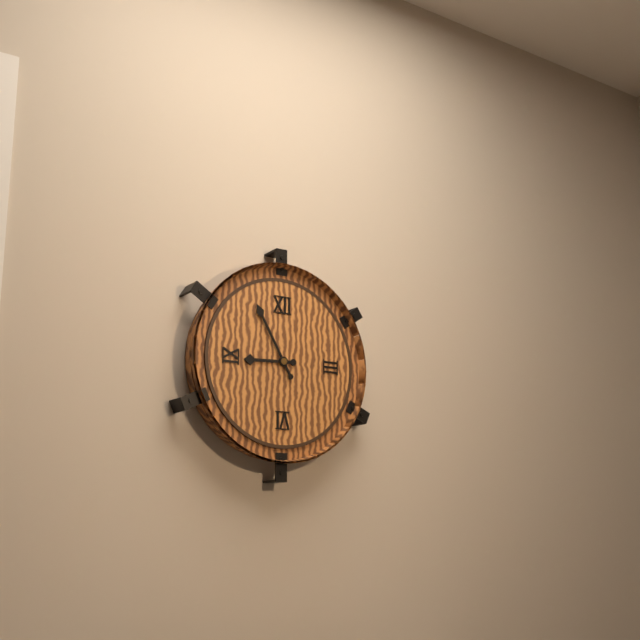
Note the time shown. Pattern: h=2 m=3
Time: h=8 m=55
